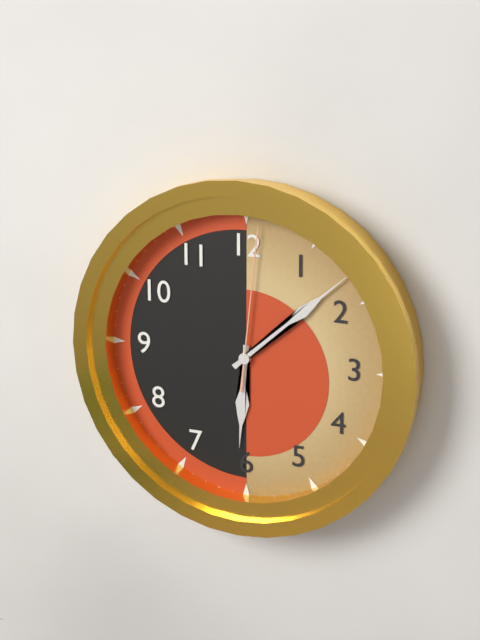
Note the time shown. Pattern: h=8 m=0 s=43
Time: h=6 m=8 s=1
